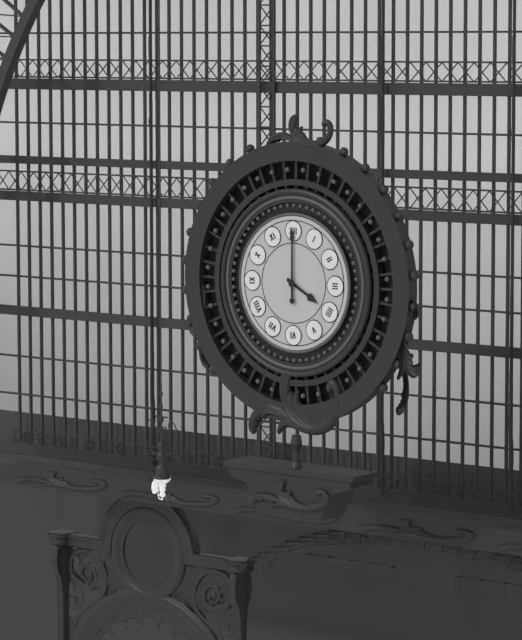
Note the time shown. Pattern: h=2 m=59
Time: h=4 m=0
